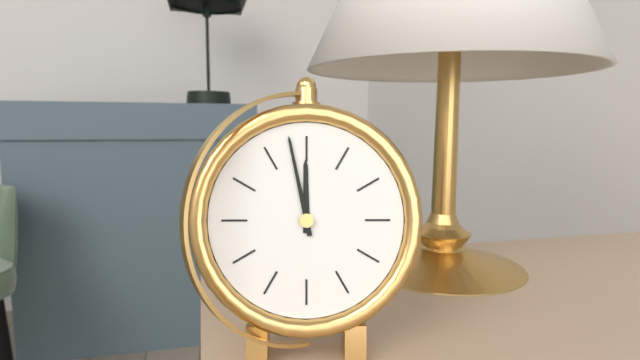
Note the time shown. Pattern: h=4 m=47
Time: h=11 m=58
